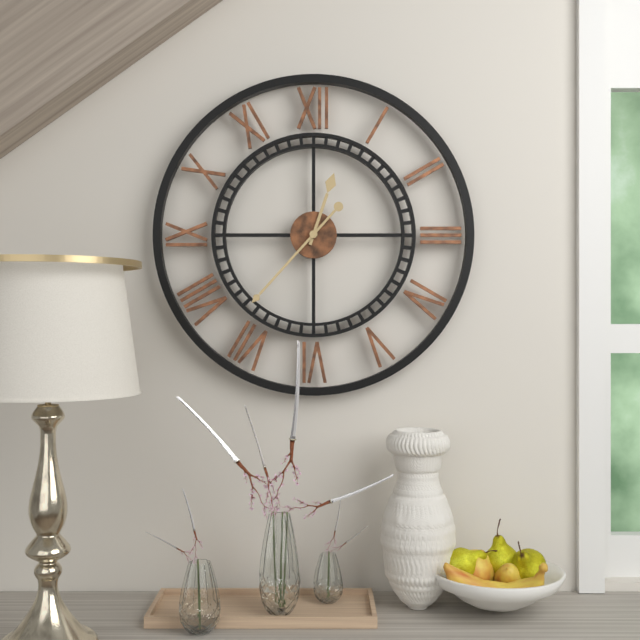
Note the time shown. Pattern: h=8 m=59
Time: h=12 m=37
